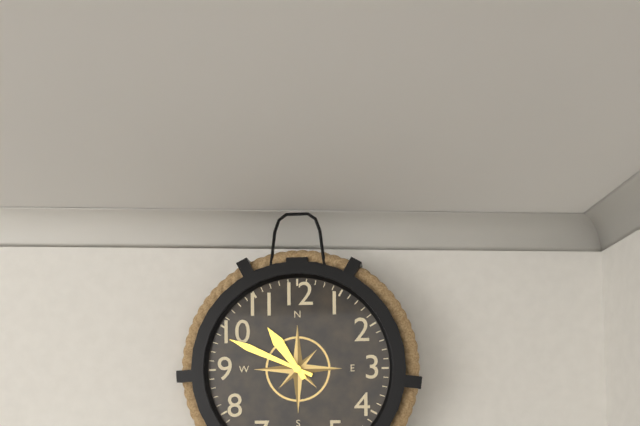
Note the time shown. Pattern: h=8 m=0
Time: h=10 m=49
